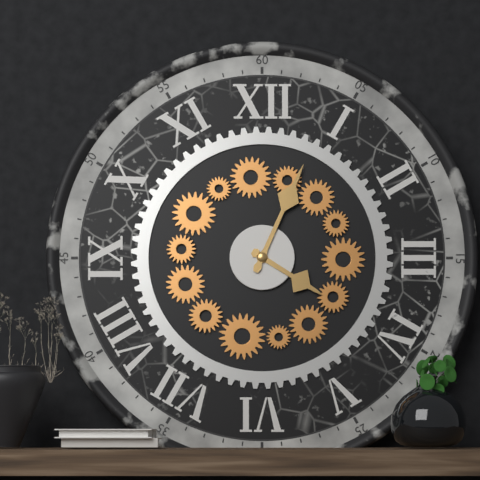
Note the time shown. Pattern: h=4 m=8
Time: h=4 m=4
